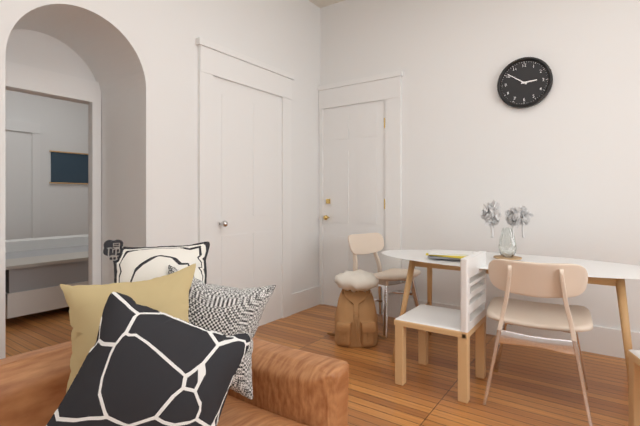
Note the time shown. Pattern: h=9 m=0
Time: h=2 m=51
